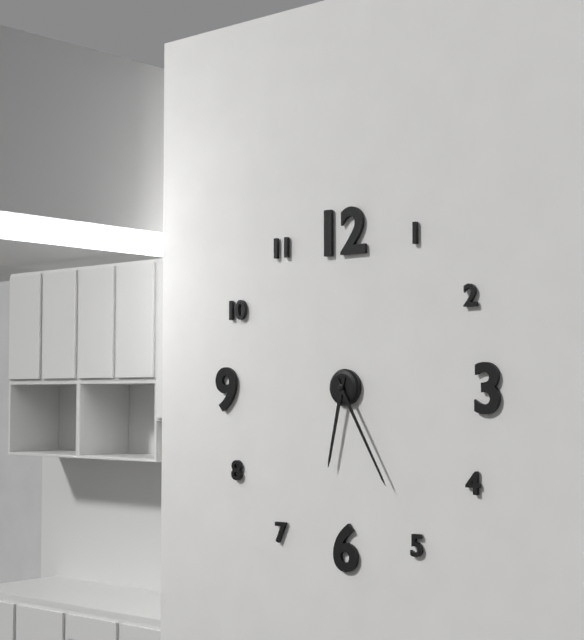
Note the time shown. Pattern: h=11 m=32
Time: h=6 m=25
